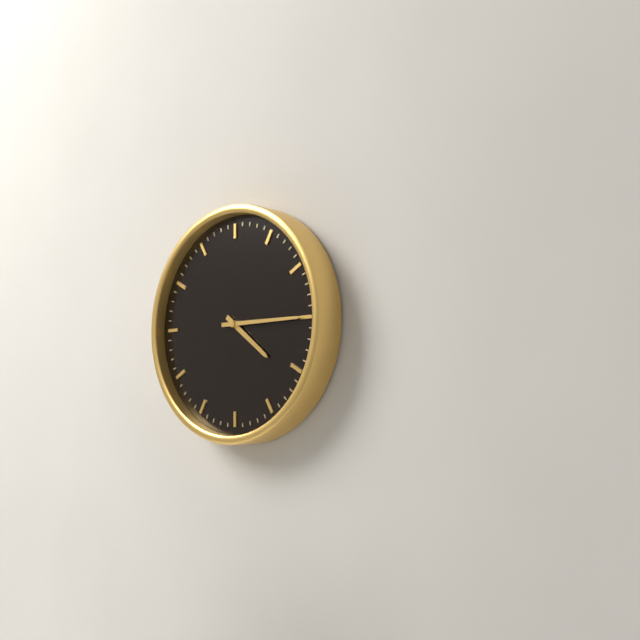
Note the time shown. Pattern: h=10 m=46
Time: h=4 m=15
